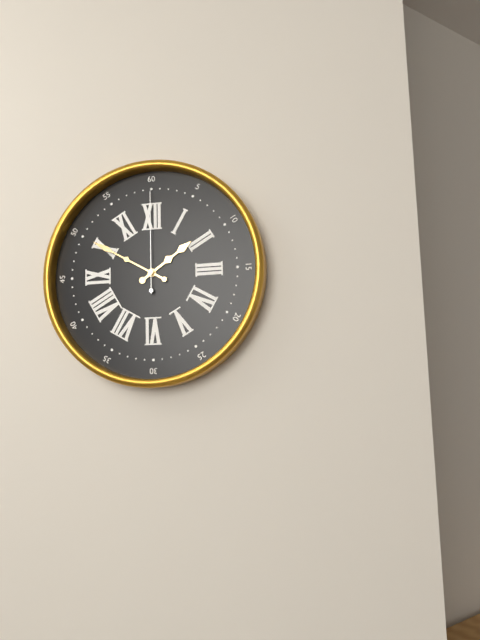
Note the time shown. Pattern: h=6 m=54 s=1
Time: h=1 m=50 s=0
